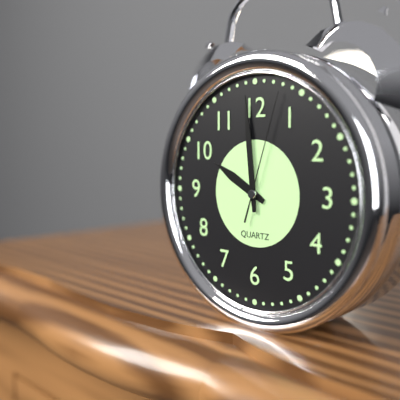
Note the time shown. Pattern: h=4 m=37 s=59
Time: h=9 m=59 s=3
